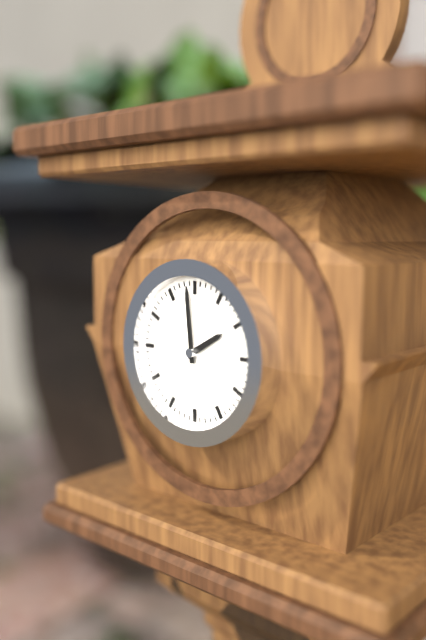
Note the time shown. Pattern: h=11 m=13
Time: h=1 m=59
